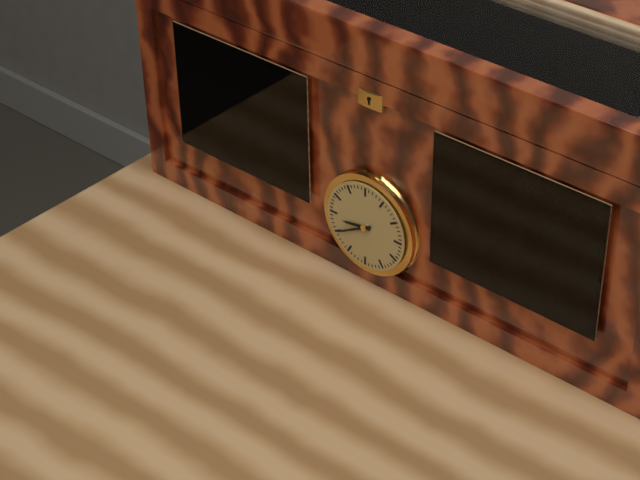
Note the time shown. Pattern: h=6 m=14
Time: h=8 m=40
